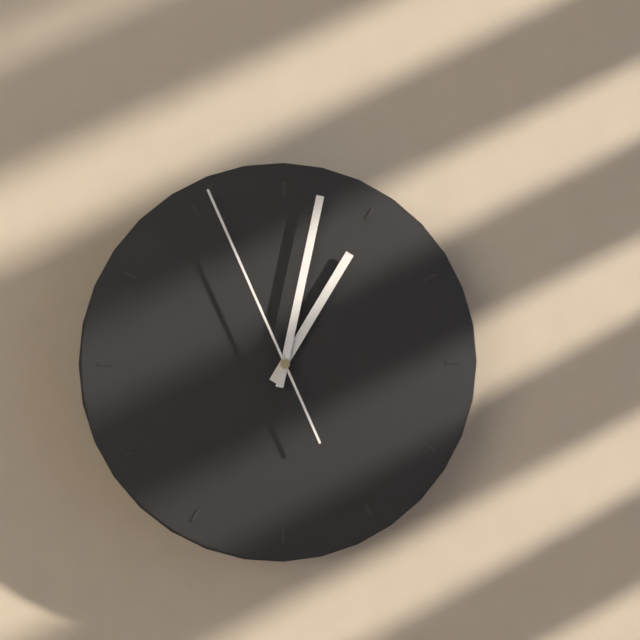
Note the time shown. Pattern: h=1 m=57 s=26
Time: h=1 m=2 s=56
